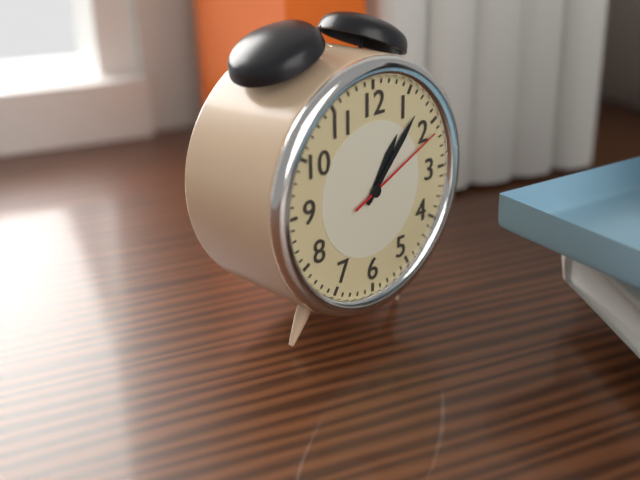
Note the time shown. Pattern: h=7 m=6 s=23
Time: h=1 m=7 s=11
